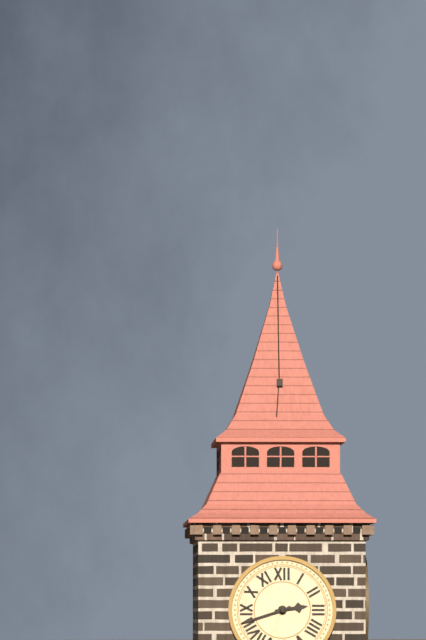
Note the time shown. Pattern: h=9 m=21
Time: h=2 m=42
